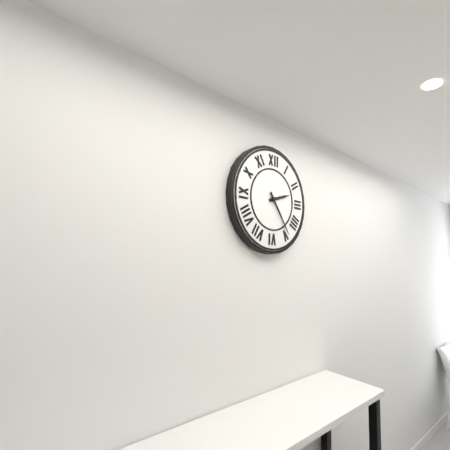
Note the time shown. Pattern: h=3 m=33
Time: h=2 m=24
